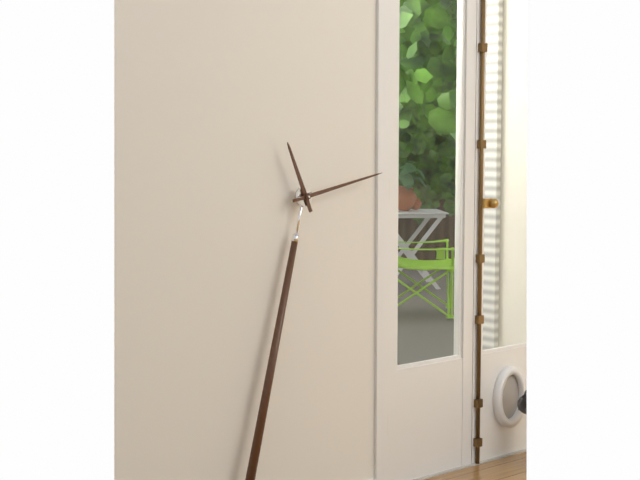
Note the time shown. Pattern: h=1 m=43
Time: h=11 m=13
